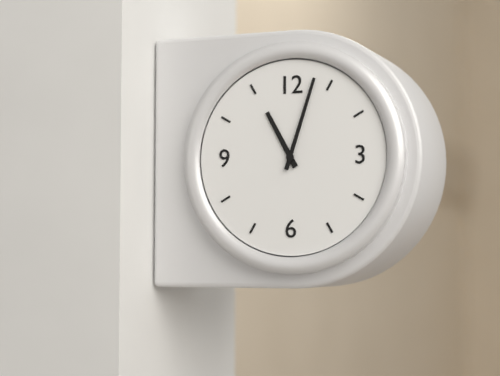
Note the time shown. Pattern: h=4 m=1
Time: h=11 m=3
